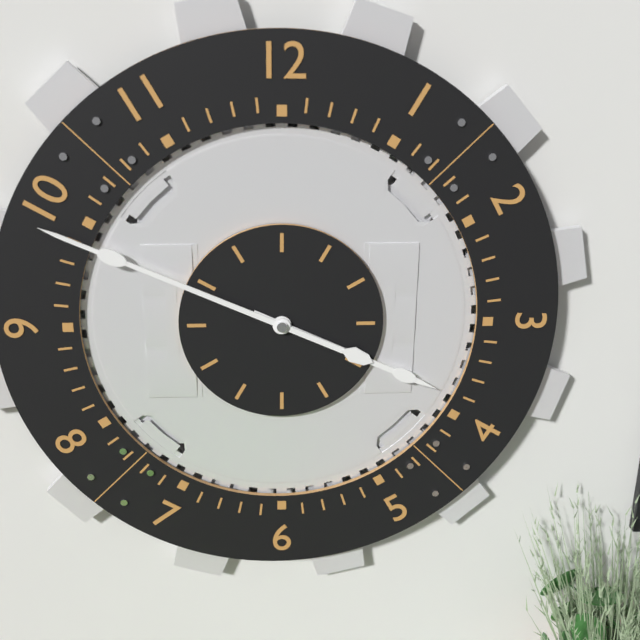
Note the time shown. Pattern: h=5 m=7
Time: h=3 m=49
